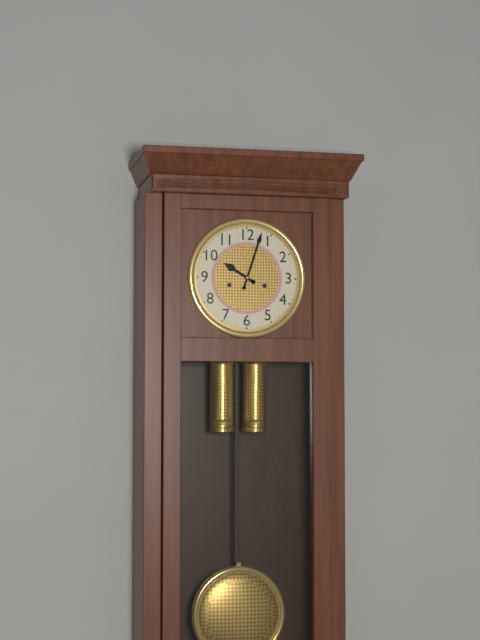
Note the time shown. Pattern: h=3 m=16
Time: h=10 m=3
